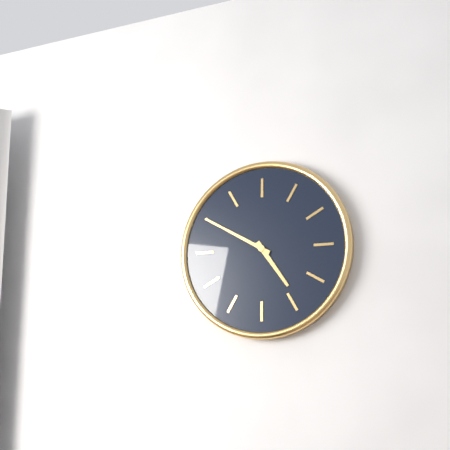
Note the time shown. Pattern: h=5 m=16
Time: h=4 m=50
